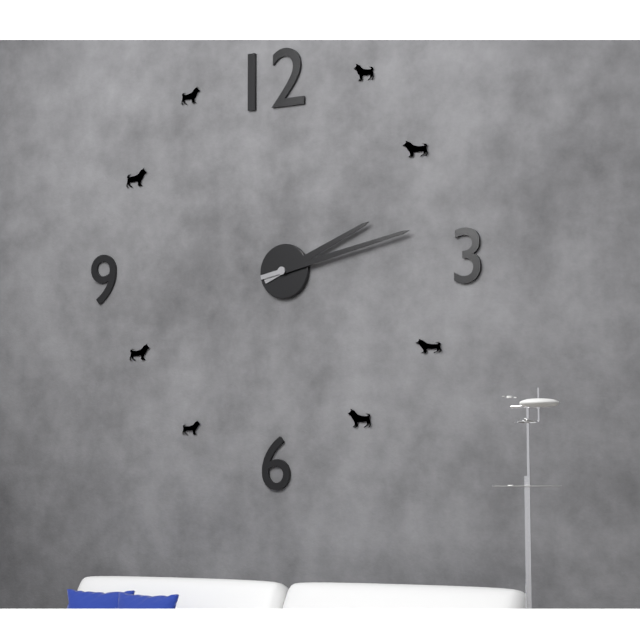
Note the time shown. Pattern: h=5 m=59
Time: h=2 m=13
